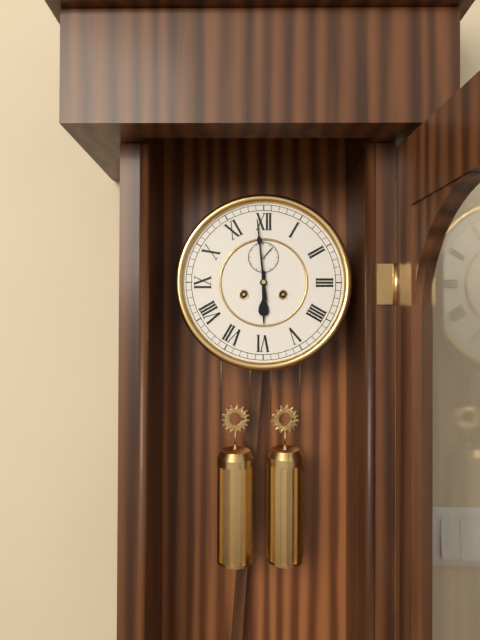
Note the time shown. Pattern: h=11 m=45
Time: h=5 m=59
